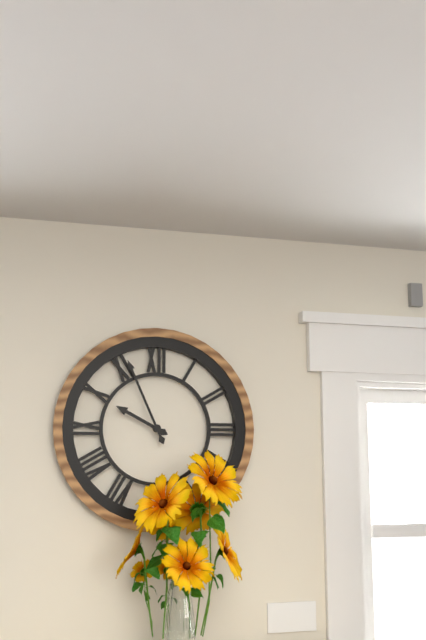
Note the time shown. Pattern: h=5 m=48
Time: h=9 m=56
